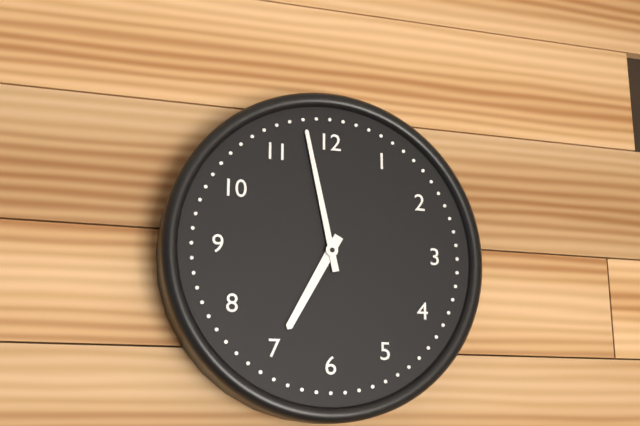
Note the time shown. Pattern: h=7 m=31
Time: h=6 m=58
